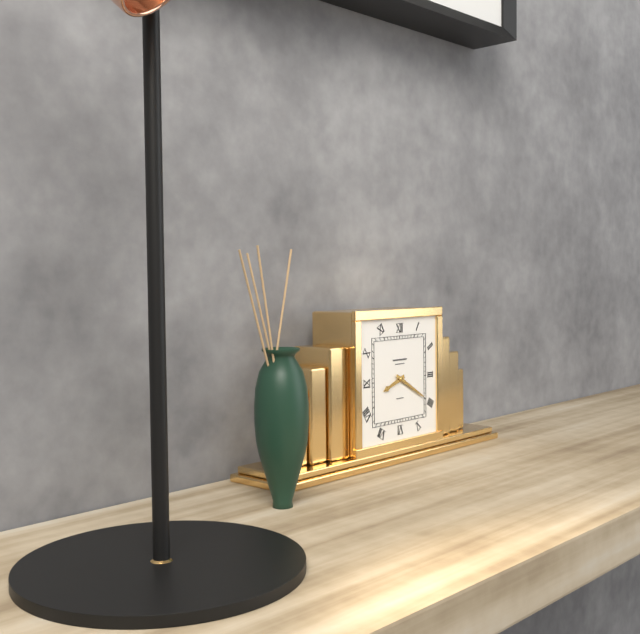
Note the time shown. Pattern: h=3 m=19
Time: h=8 m=20
